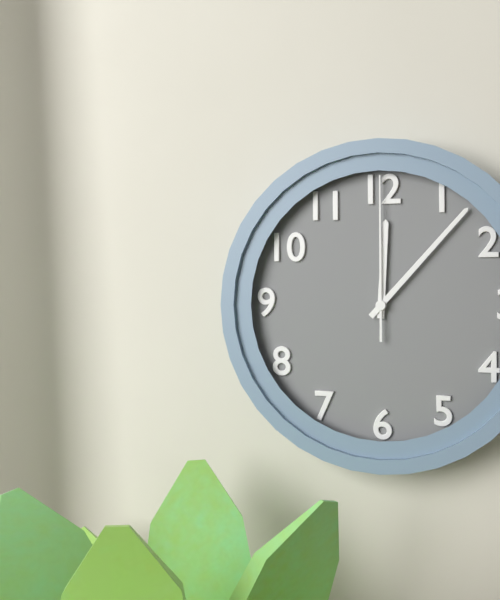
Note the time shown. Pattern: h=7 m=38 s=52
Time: h=12 m=7 s=0
